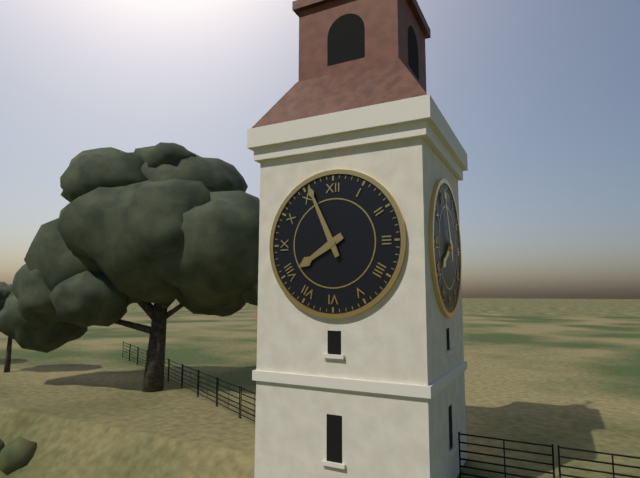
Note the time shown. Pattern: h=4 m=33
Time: h=7 m=56
